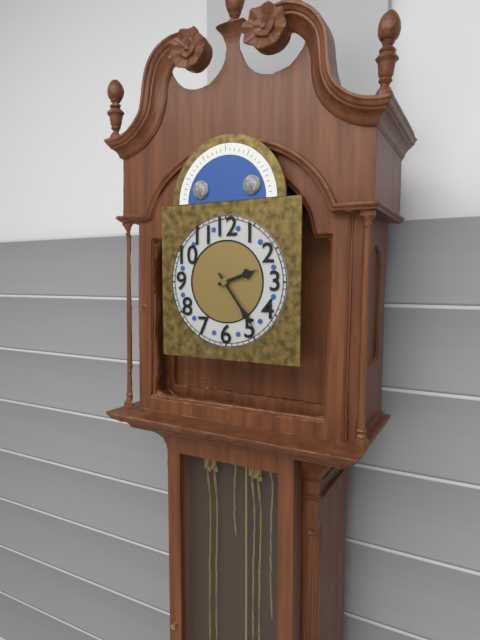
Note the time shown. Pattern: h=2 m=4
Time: h=2 m=24
